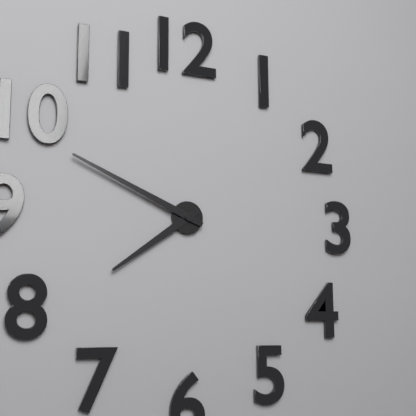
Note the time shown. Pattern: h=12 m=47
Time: h=7 m=49
